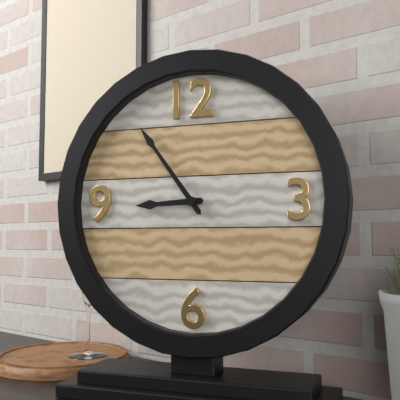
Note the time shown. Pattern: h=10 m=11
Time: h=8 m=54
